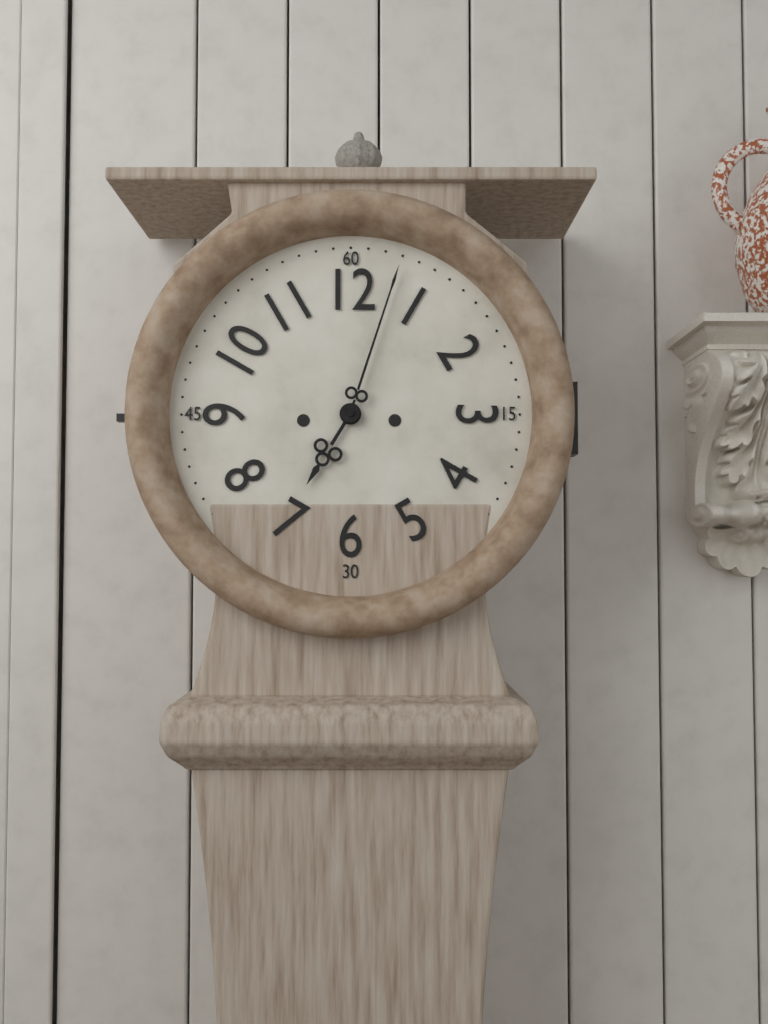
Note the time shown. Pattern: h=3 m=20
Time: h=7 m=3
